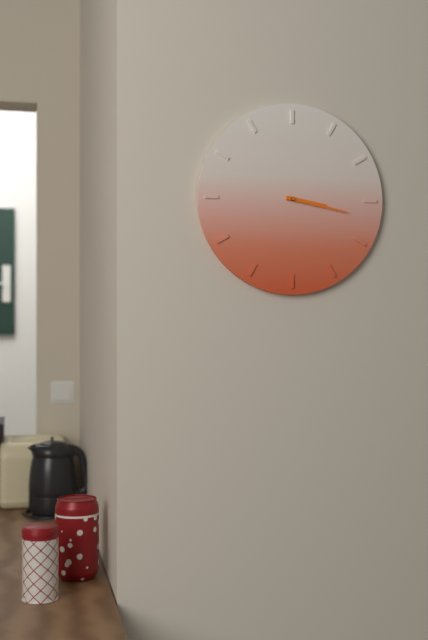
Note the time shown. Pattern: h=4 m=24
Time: h=3 m=17
